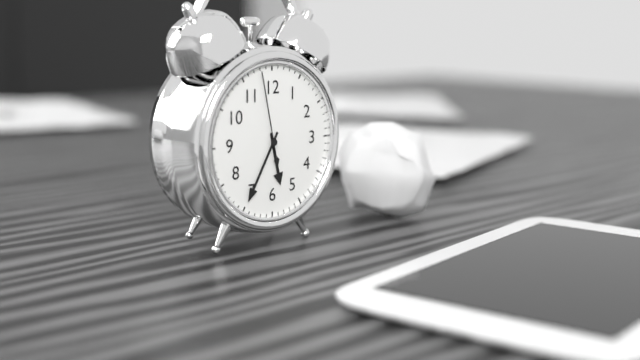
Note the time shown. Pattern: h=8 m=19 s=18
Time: h=5 m=35 s=58
